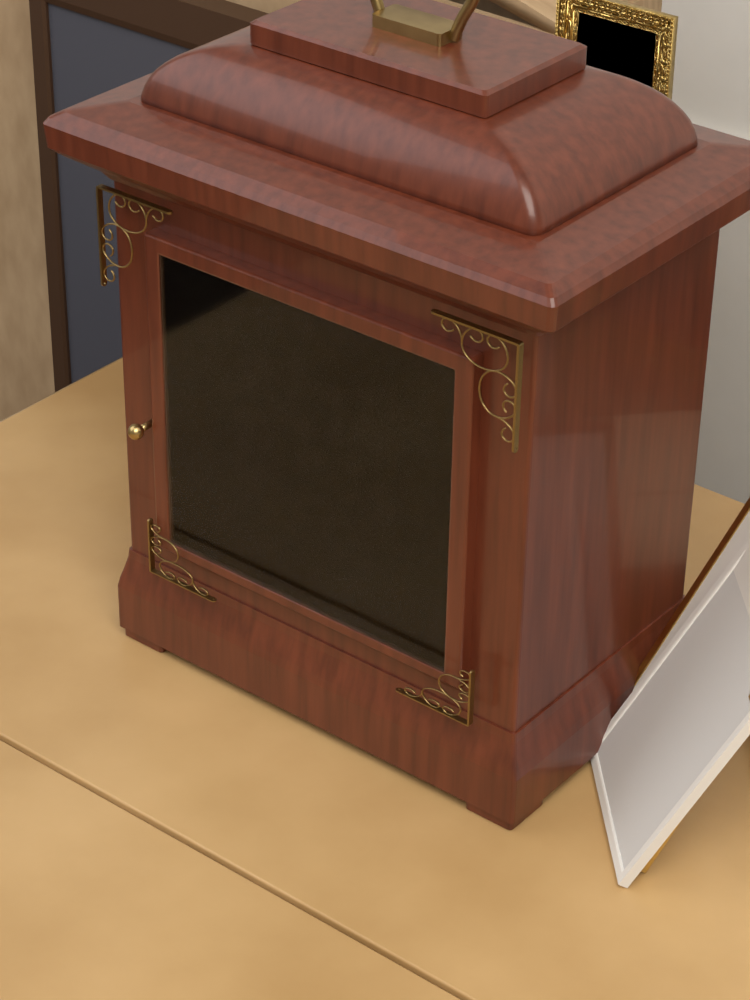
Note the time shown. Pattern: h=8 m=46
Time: h=6 m=18
